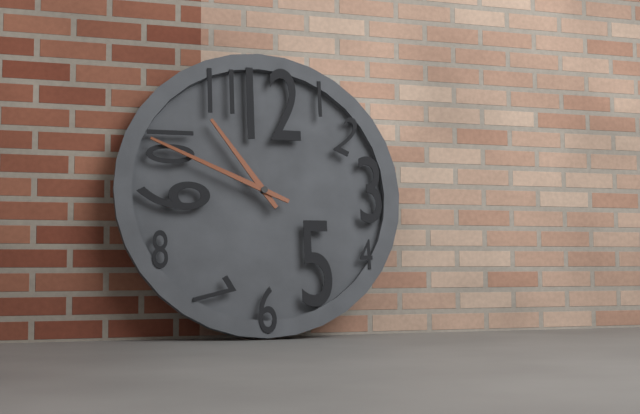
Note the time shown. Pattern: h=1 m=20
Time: h=10 m=49
